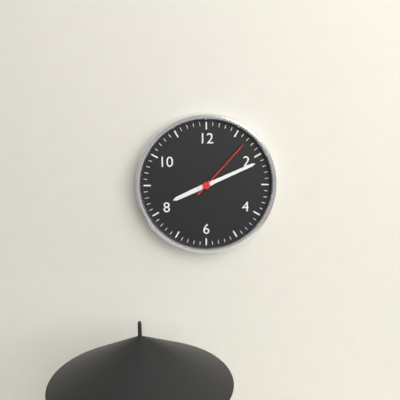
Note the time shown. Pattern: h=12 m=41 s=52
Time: h=8 m=11 s=7
